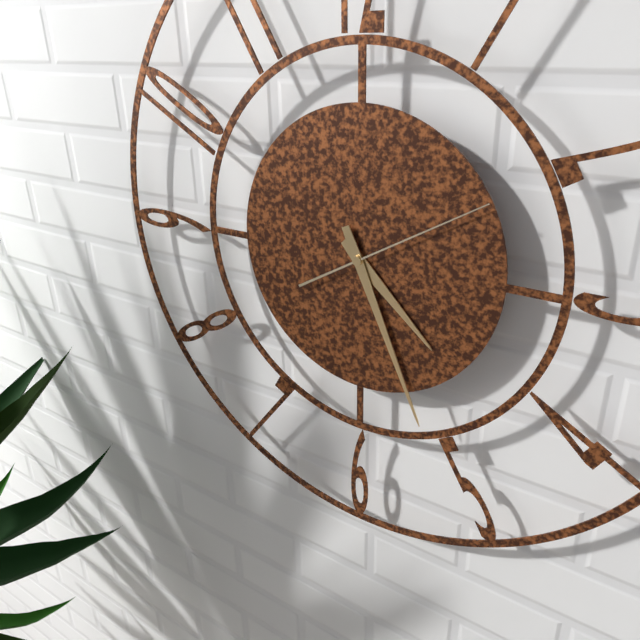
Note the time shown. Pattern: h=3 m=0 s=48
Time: h=4 m=26 s=10
